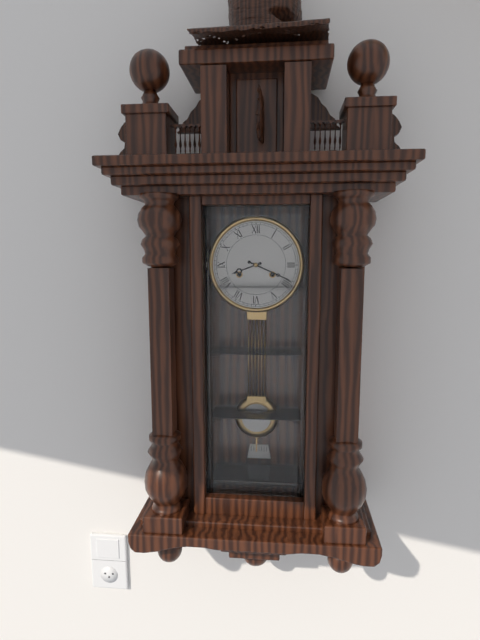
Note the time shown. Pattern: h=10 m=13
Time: h=8 m=19
